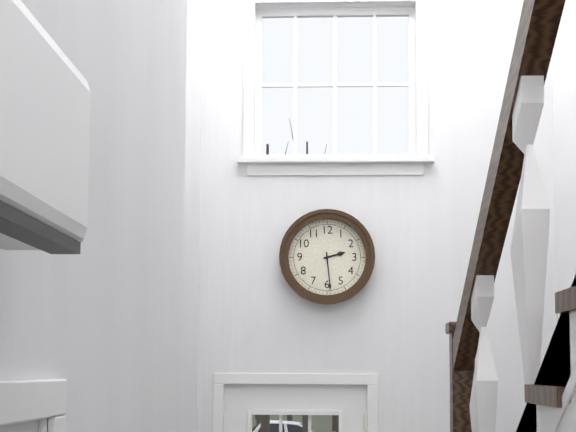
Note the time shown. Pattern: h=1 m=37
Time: h=2 m=29
